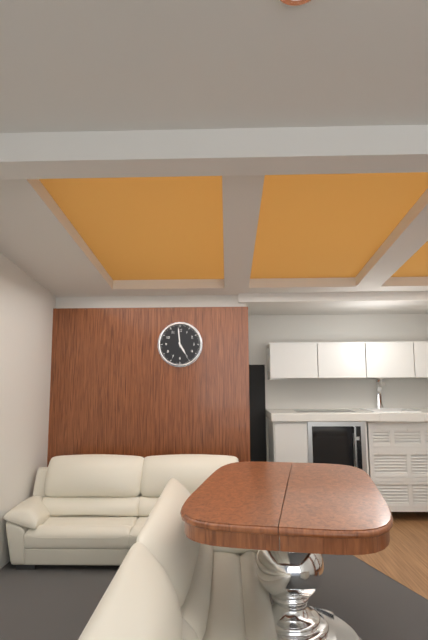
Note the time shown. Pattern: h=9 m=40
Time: h=4 m=59
